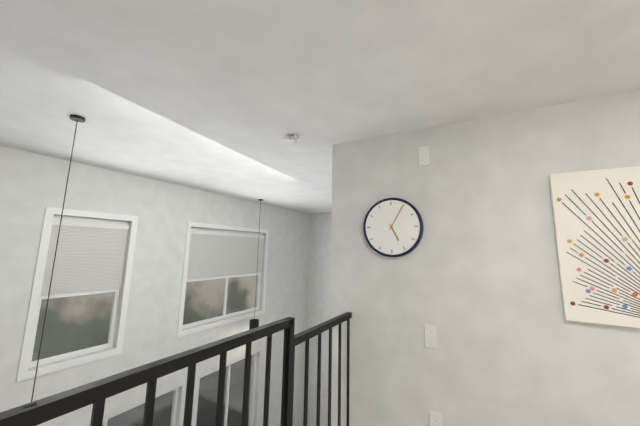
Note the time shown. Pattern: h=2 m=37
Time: h=5 m=5
